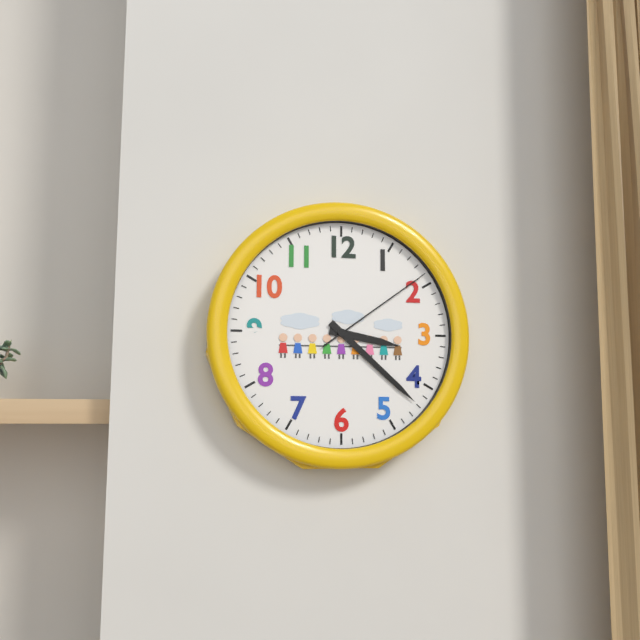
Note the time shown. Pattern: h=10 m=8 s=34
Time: h=3 m=22 s=9
